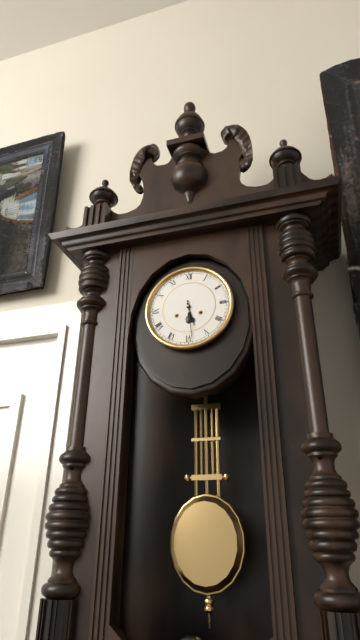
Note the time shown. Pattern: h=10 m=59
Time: h=5 m=29
